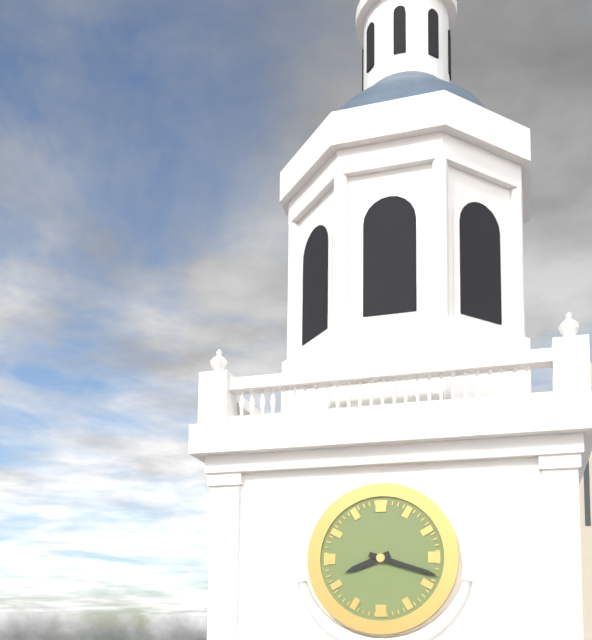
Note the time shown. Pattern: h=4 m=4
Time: h=8 m=18
